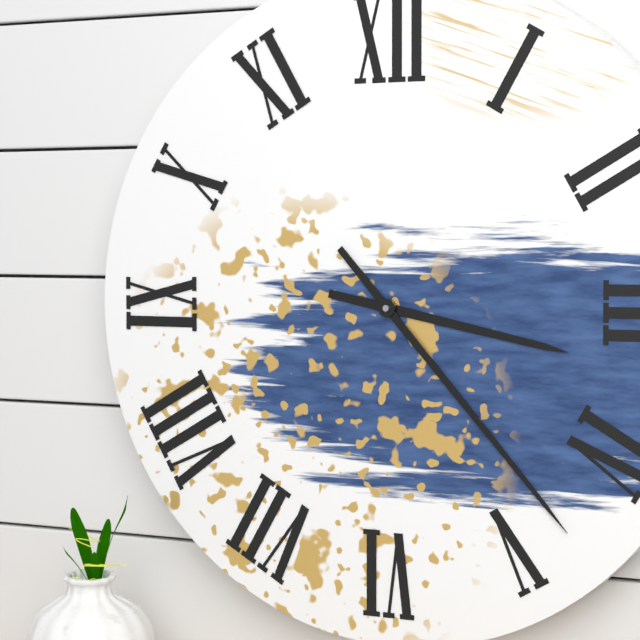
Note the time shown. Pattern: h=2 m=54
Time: h=3 m=23
